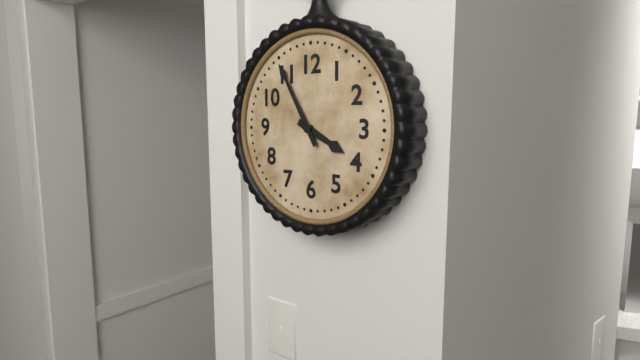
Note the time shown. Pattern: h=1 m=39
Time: h=3 m=55
